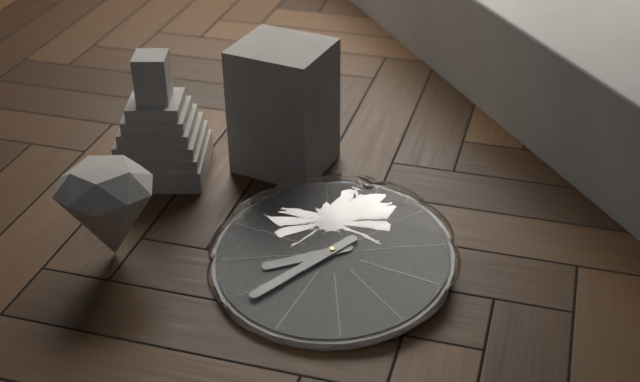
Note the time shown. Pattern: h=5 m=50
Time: h=7 m=34
